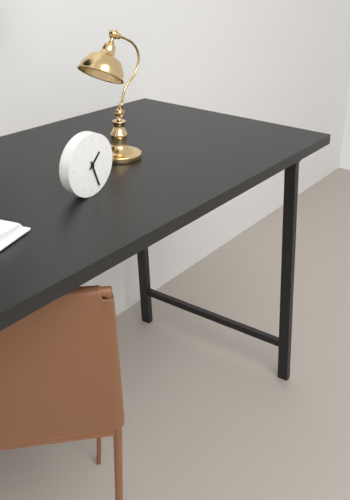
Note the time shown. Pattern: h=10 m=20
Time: h=1 m=26
